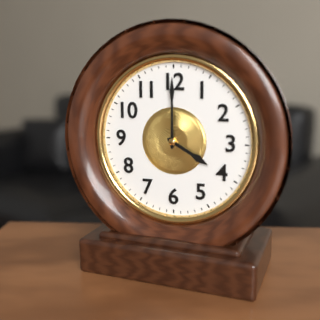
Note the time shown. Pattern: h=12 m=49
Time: h=4 m=0
